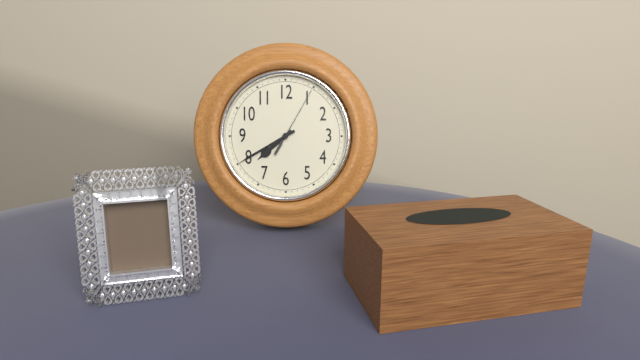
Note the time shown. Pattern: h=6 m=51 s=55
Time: h=7 m=40 s=5
